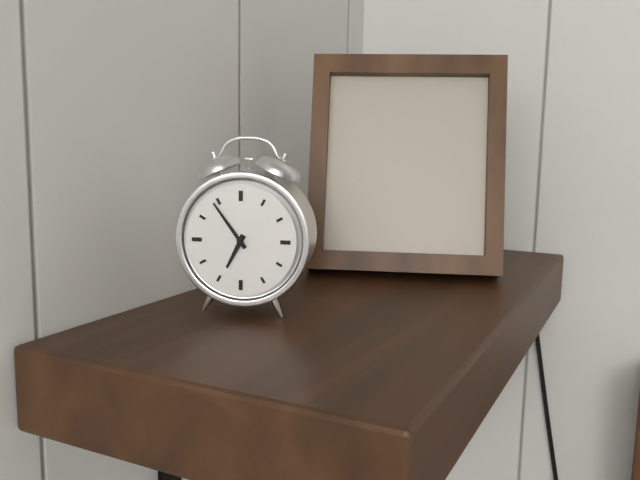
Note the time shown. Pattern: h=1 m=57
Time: h=6 m=54
